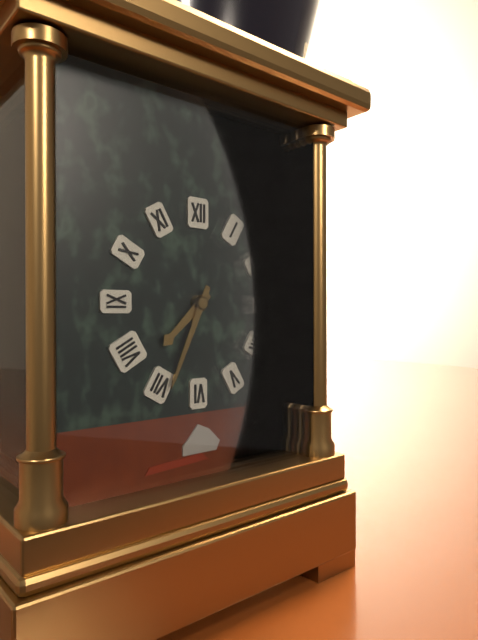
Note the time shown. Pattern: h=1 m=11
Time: h=7 m=34
